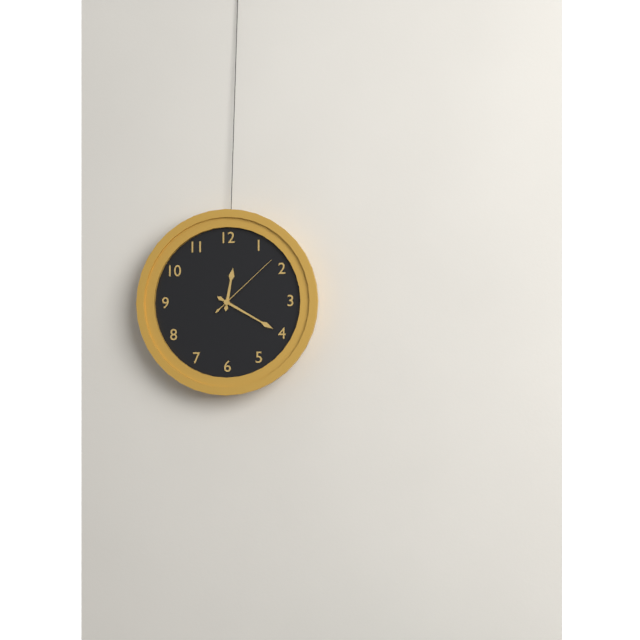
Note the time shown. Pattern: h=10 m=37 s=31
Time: h=12 m=20 s=8
